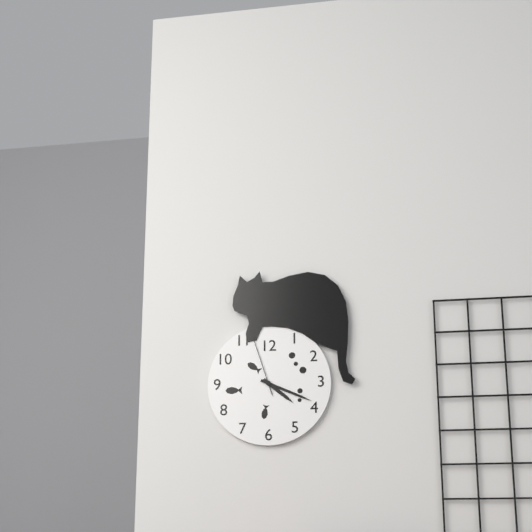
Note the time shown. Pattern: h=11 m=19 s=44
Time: h=4 m=19 s=57
